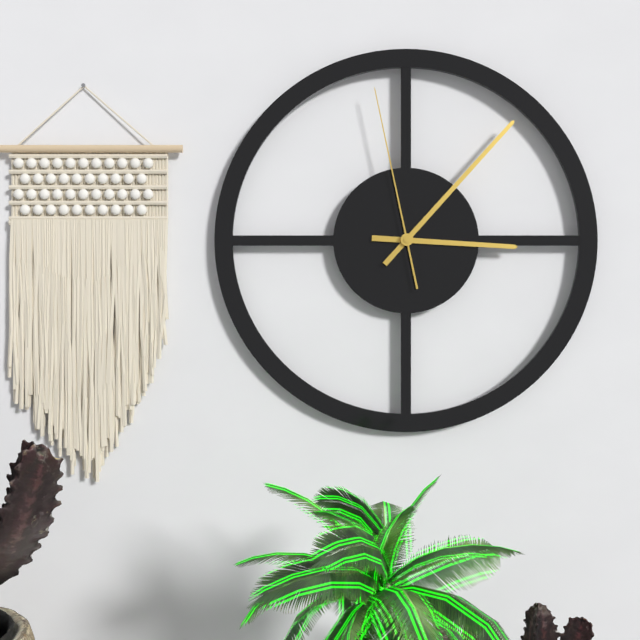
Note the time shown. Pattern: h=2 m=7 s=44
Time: h=3 m=7 s=58
